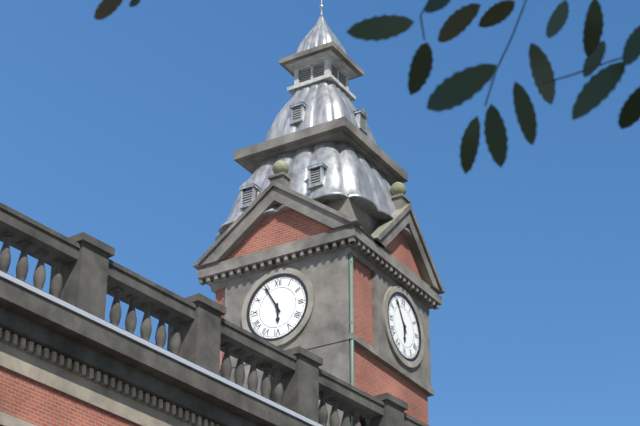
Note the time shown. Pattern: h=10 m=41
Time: h=5 m=55
